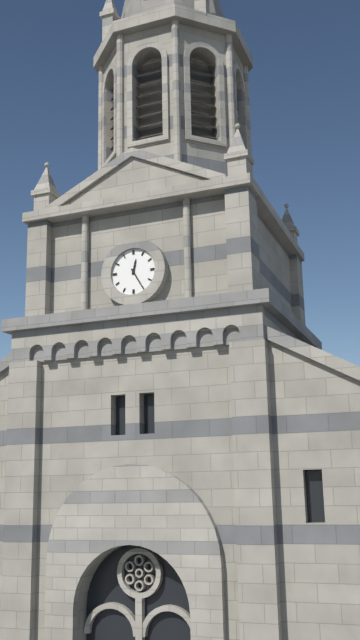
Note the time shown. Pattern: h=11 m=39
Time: h=12 m=25
